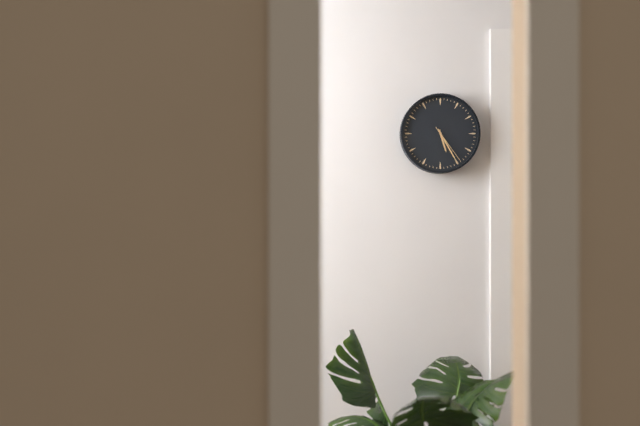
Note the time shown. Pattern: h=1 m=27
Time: h=5 m=25
